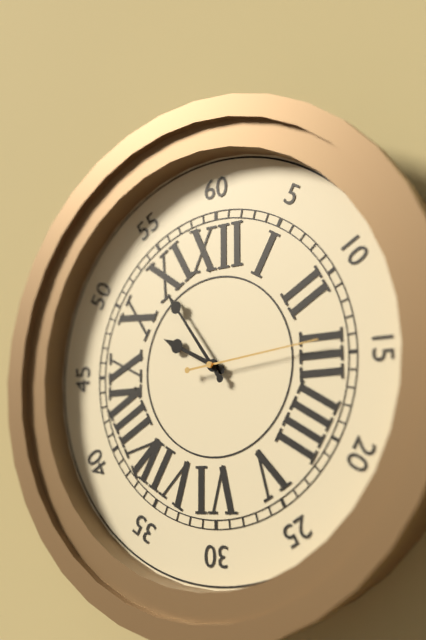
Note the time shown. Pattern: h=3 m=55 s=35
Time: h=9 m=54 s=14
